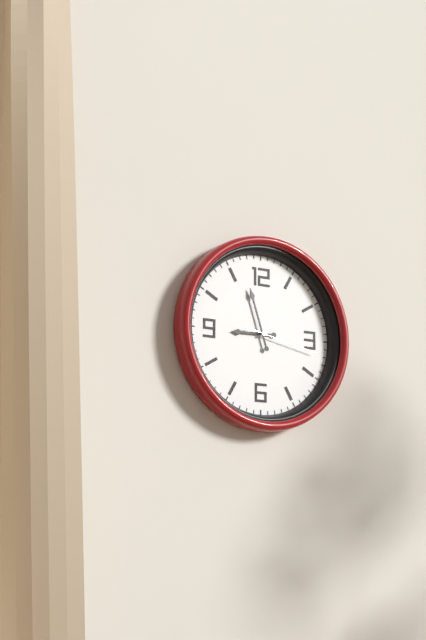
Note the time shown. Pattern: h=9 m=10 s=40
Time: h=8 m=57 s=17
